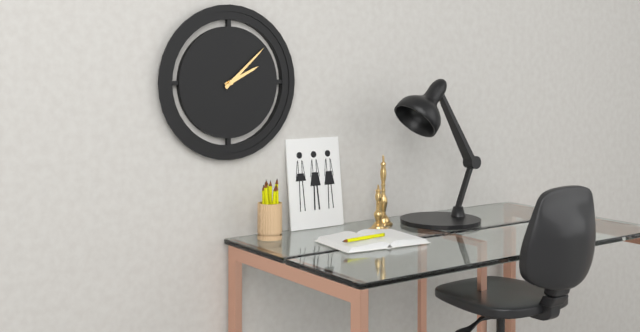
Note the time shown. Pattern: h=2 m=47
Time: h=2 m=8
